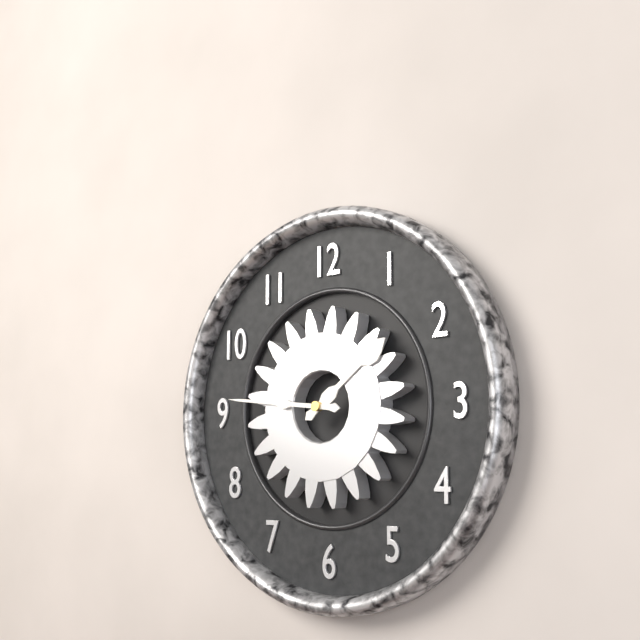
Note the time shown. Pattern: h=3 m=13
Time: h=1 m=46
